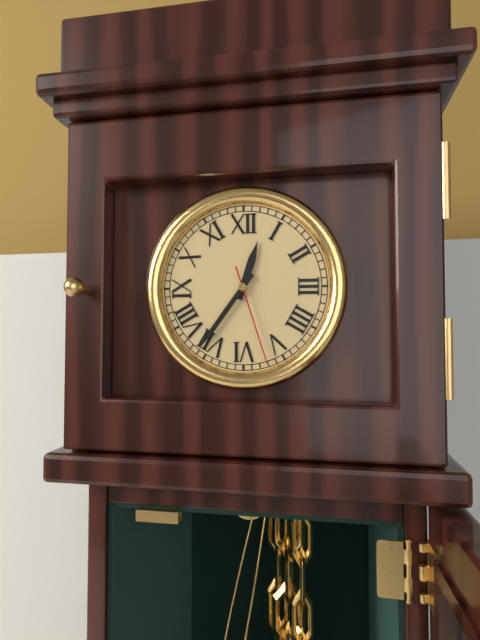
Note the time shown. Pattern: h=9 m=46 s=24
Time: h=12 m=36 s=27
